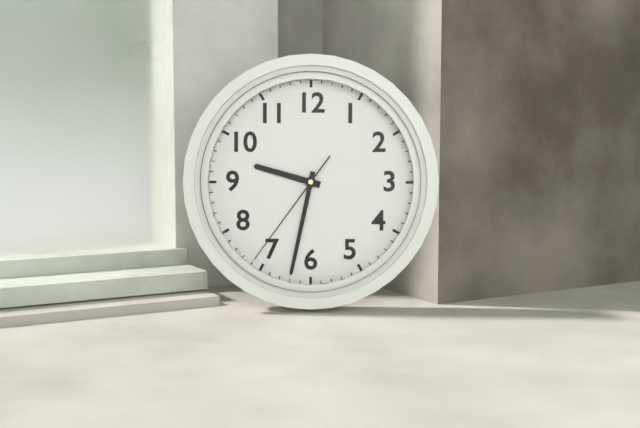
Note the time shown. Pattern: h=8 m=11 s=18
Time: h=9 m=32 s=36
